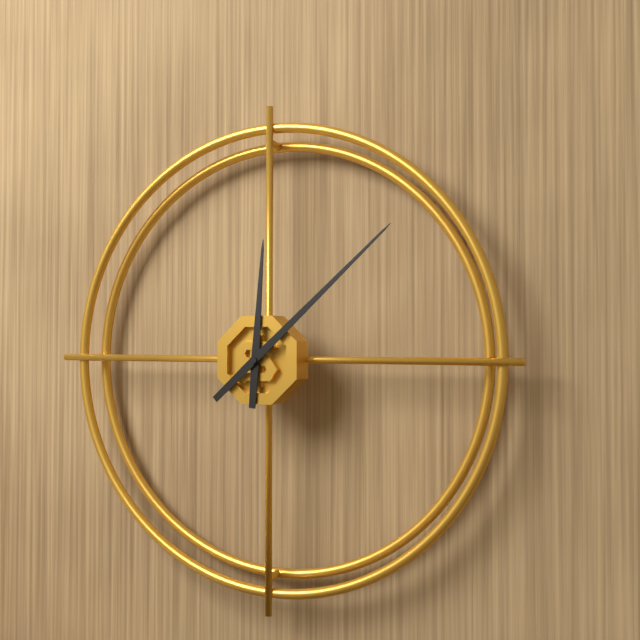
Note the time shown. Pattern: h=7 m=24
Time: h=12 m=8
